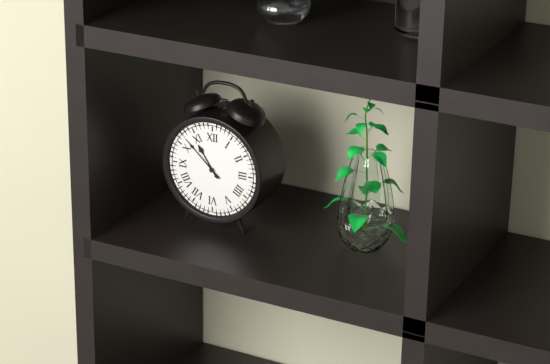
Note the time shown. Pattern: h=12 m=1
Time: h=10 m=52
